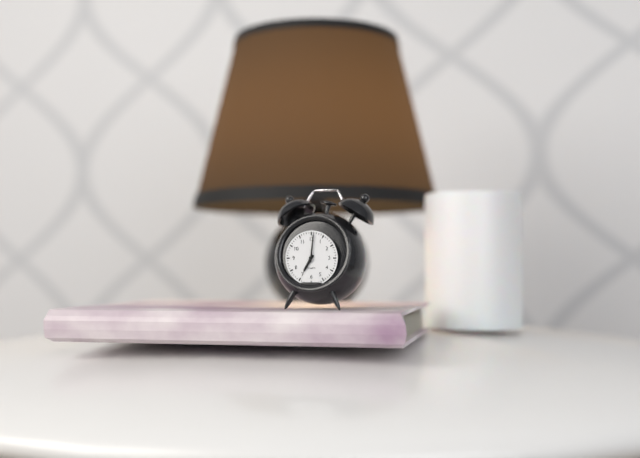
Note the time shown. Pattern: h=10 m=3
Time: h=7 m=1
